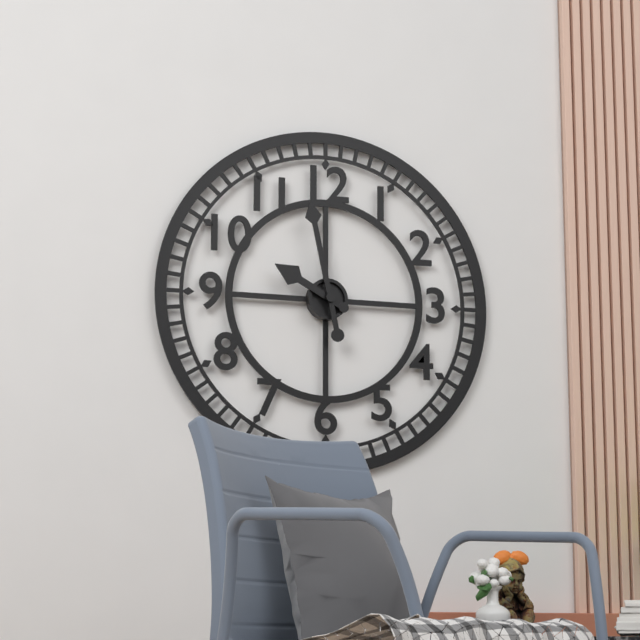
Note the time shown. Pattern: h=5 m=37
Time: h=9 m=58
